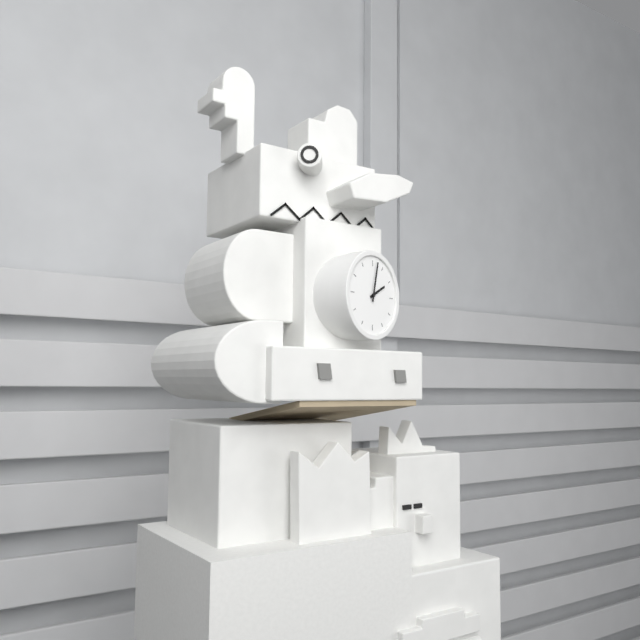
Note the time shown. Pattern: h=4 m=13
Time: h=2 m=2
